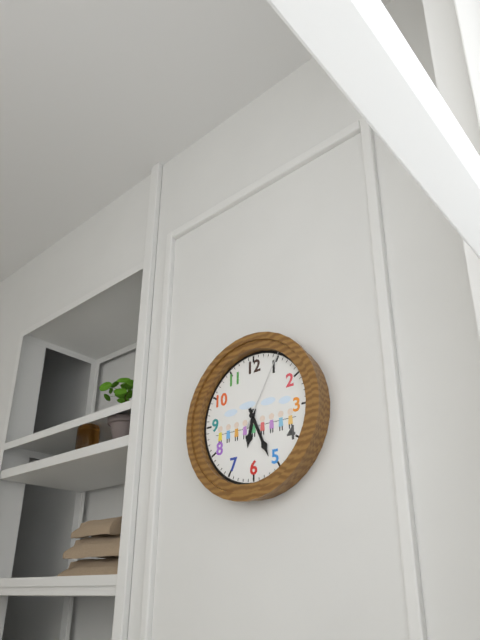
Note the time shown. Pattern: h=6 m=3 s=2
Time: h=6 m=26 s=5
